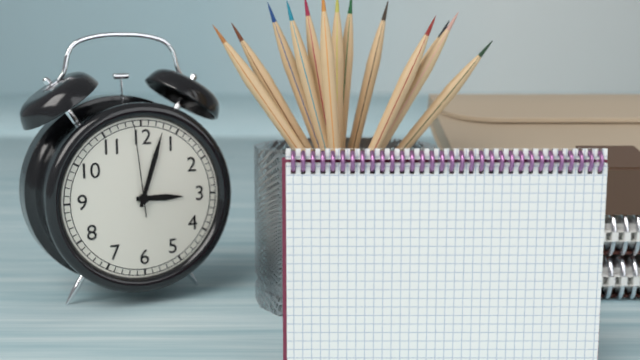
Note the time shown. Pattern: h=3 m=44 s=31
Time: h=3 m=3 s=59
